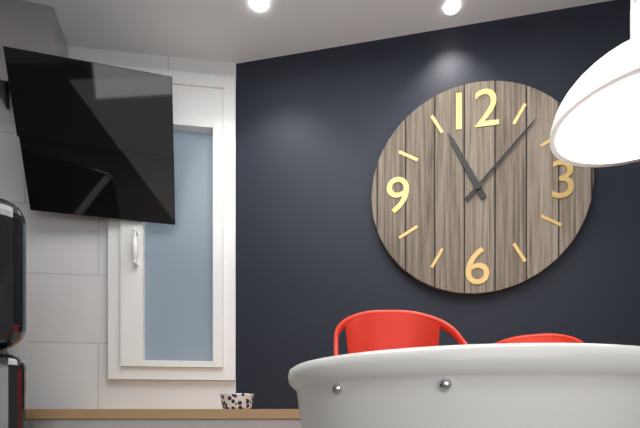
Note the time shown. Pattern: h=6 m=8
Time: h=11 m=7
